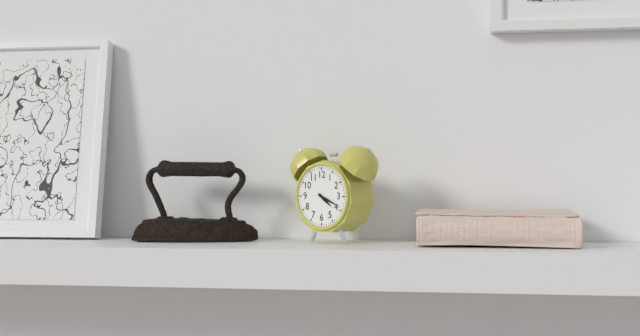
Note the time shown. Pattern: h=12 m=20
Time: h=4 m=19
